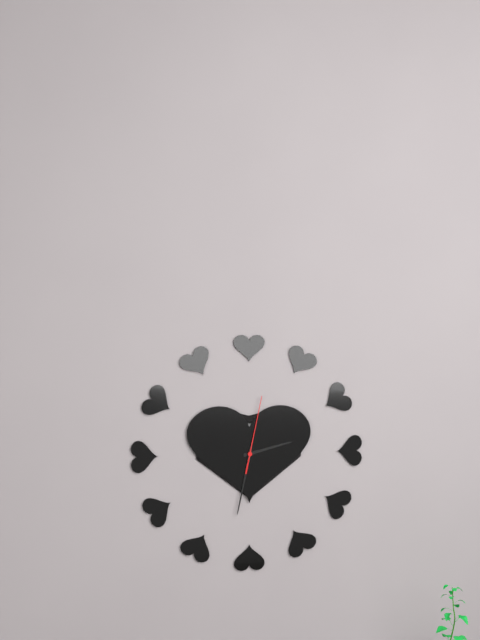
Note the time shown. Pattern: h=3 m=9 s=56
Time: h=2 m=32 s=2
